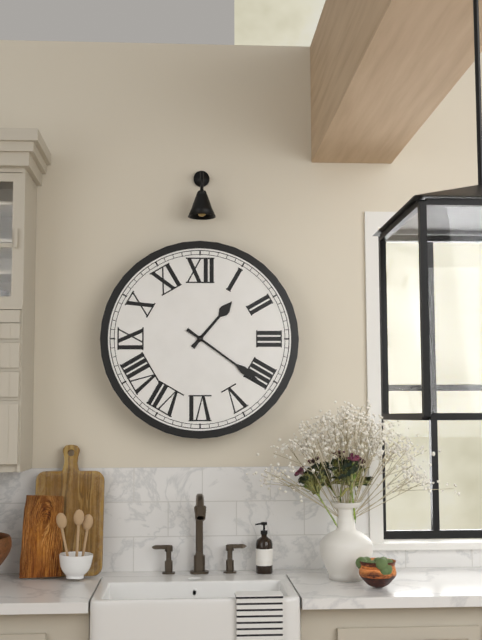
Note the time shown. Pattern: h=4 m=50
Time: h=1 m=21
